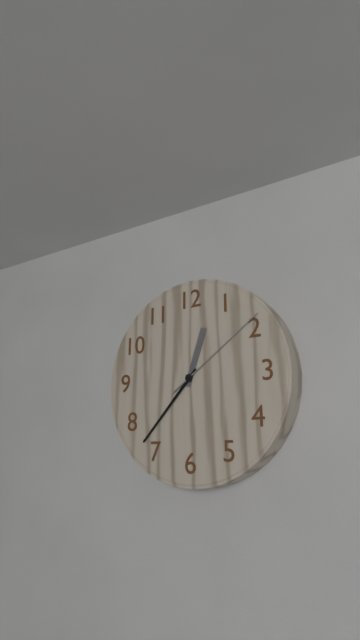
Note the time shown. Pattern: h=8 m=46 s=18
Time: h=12 m=37 s=9
